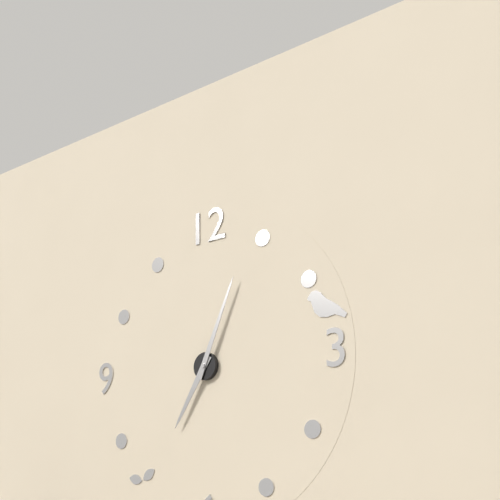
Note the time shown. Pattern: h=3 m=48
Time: h=7 m=4
